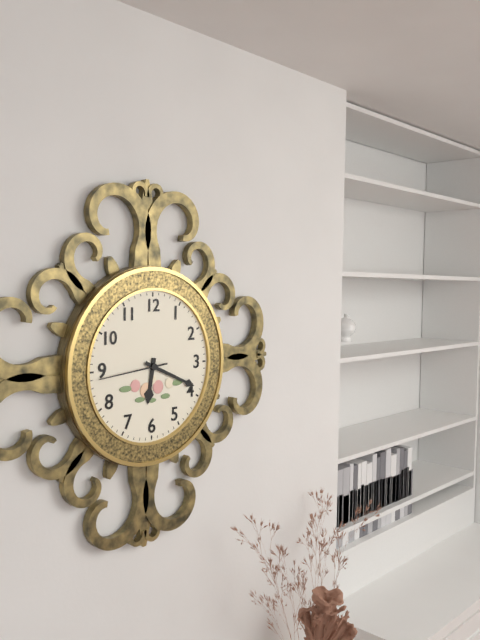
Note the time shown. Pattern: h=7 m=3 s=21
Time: h=6 m=19 s=44
